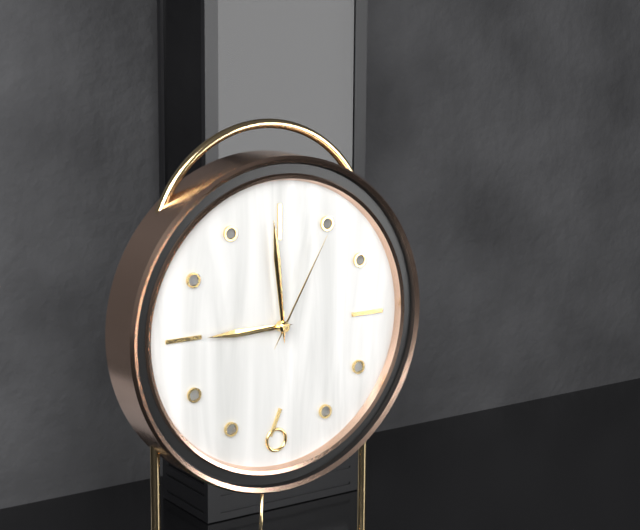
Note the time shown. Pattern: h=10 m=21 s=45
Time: h=8 m=59 s=5
